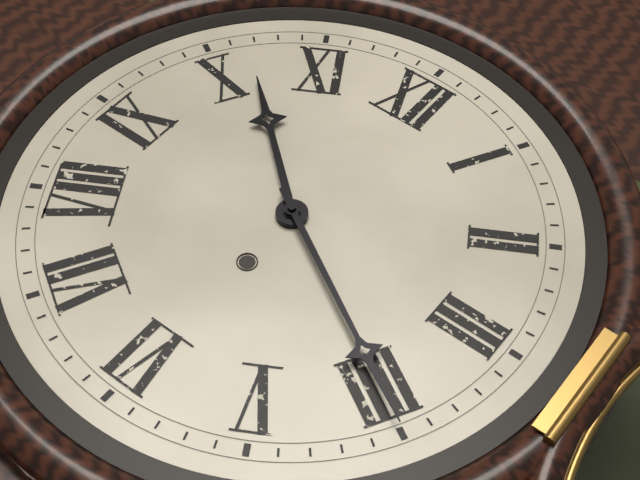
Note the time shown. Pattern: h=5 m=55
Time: h=10 m=20
